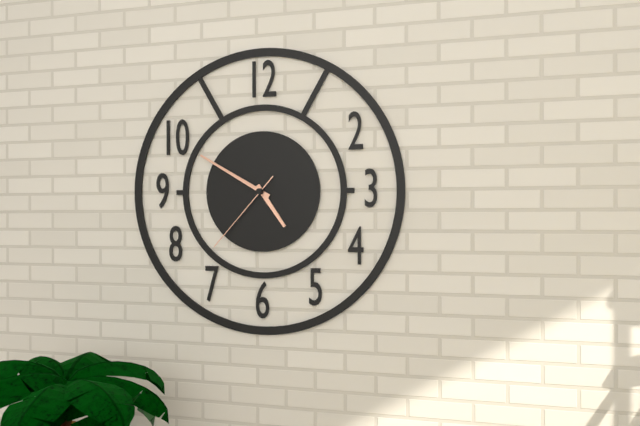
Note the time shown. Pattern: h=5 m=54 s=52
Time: h=4 m=50 s=37
